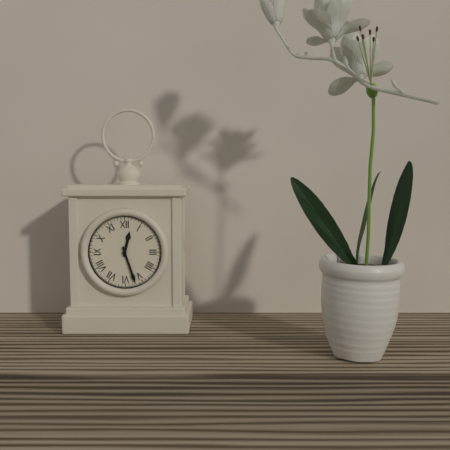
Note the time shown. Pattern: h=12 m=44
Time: h=12 m=27
